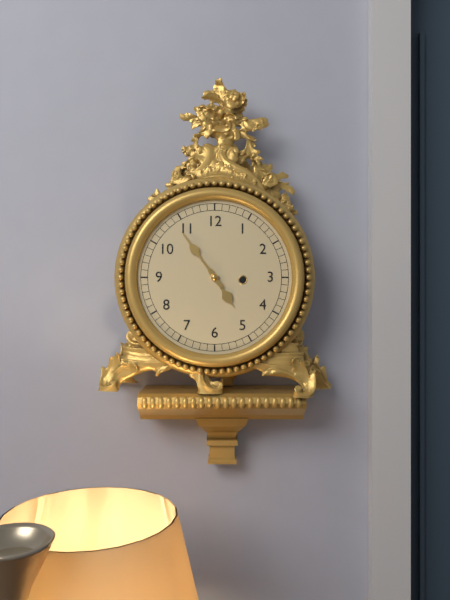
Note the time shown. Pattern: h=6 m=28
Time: h=4 m=54
